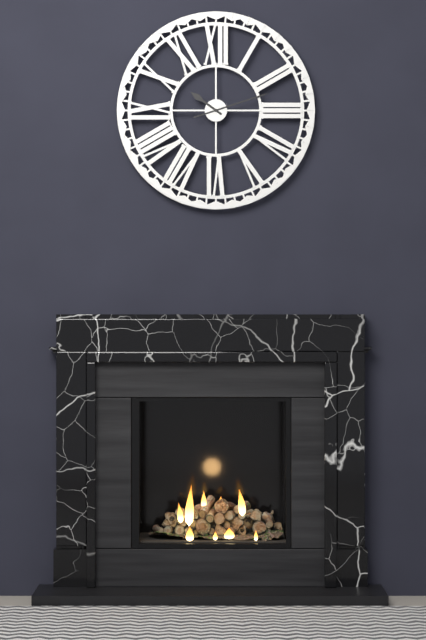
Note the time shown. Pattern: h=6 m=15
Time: h=10 m=12
